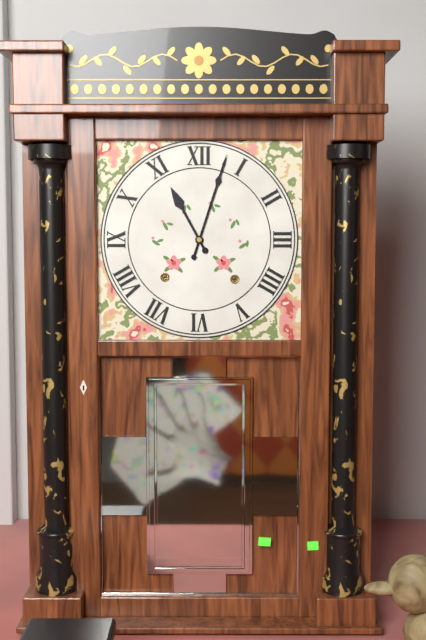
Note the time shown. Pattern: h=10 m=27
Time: h=11 m=3
